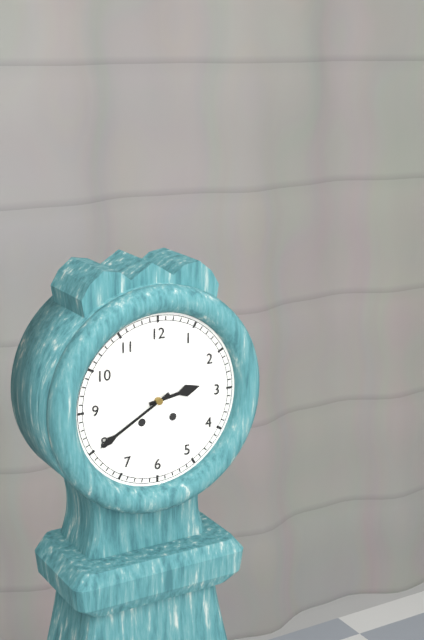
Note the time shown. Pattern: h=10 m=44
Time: h=2 m=40
